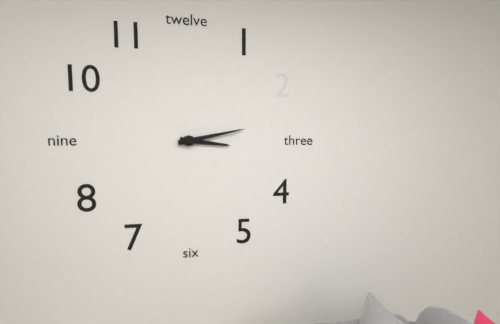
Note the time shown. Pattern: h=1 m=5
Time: h=3 m=13
